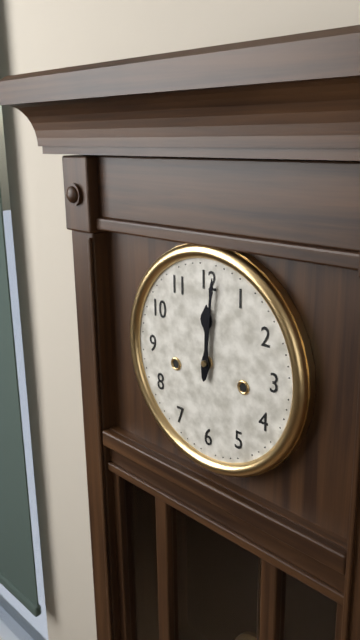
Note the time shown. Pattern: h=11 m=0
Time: h=12 m=1
